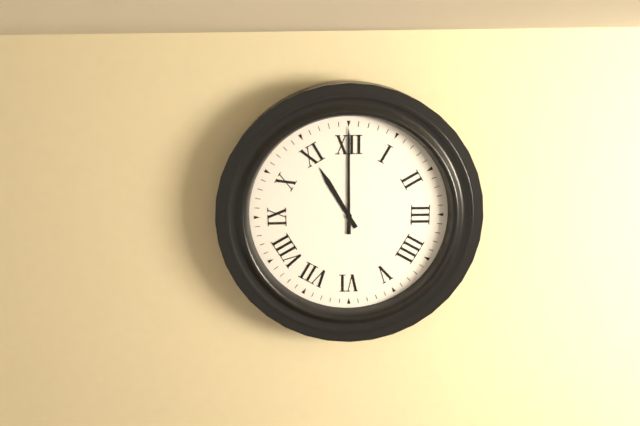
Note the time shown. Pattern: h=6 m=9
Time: h=11 m=0
